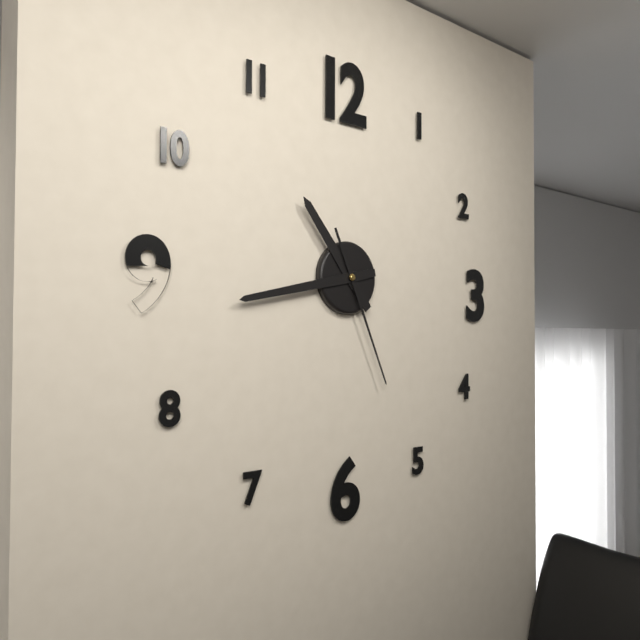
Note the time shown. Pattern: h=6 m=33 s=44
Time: h=10 m=43 s=26
